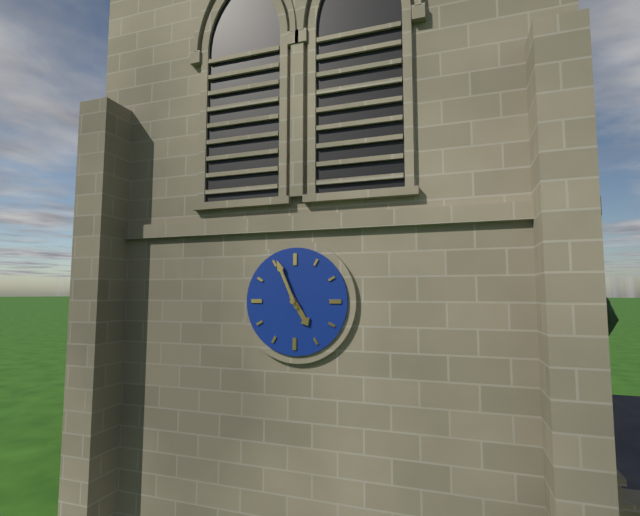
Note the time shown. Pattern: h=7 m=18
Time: h=4 m=56
